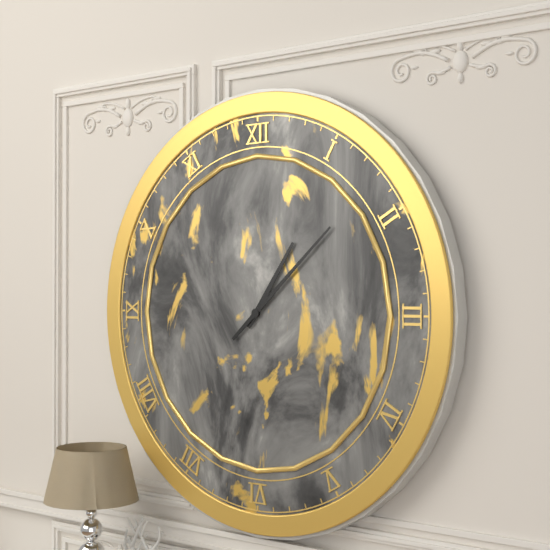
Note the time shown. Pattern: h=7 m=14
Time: h=1 m=8
